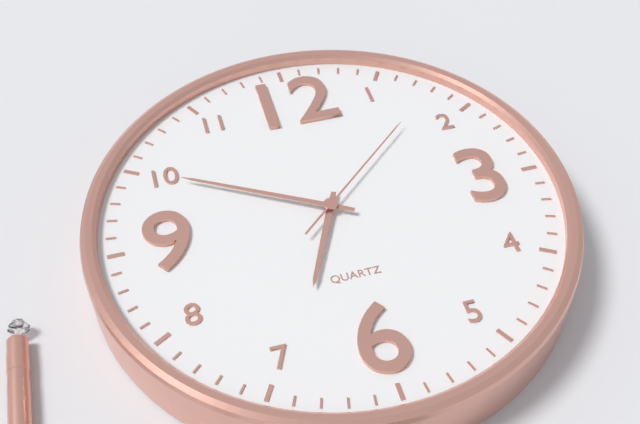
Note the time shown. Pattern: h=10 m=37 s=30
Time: h=6 m=50 s=8
